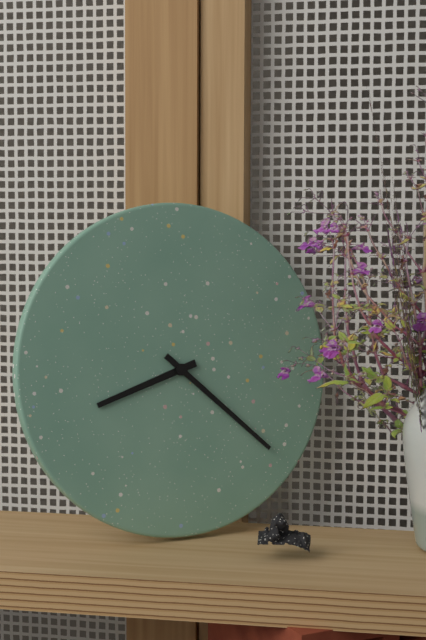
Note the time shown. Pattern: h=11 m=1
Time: h=8 m=22
